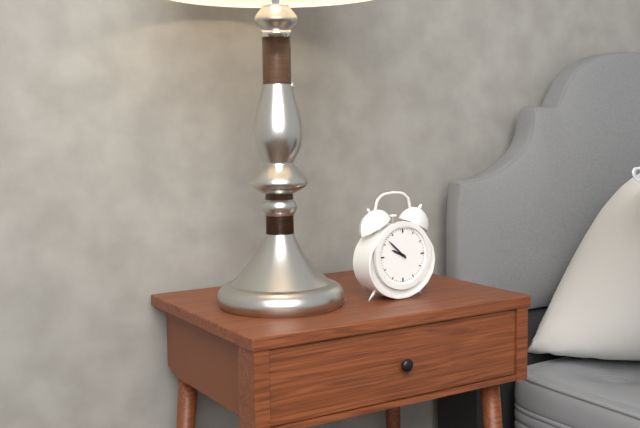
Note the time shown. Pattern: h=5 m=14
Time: h=9 m=52
